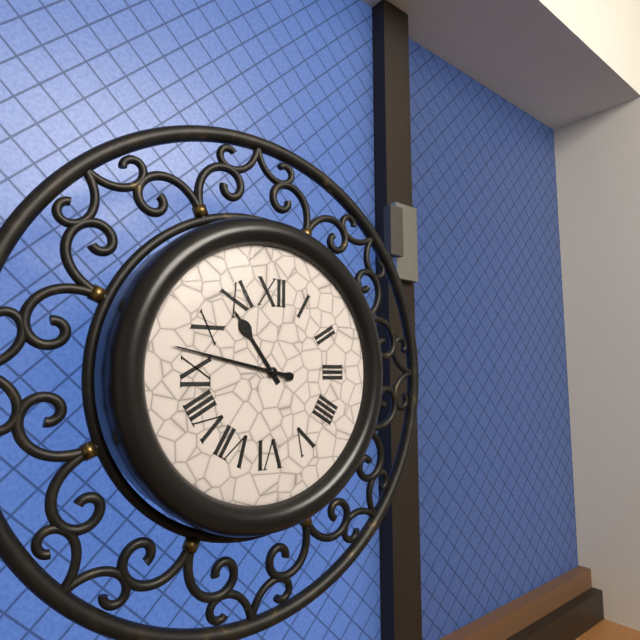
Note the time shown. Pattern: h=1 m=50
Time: h=10 m=47
